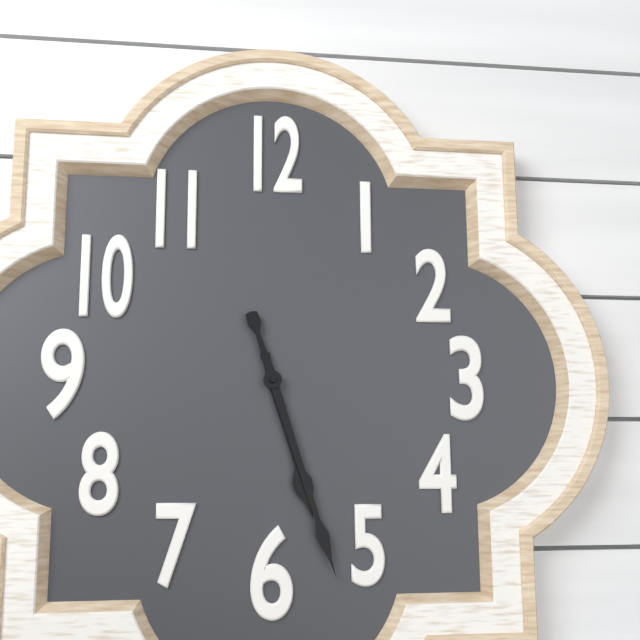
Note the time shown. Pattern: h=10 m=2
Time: h=5 m=27
